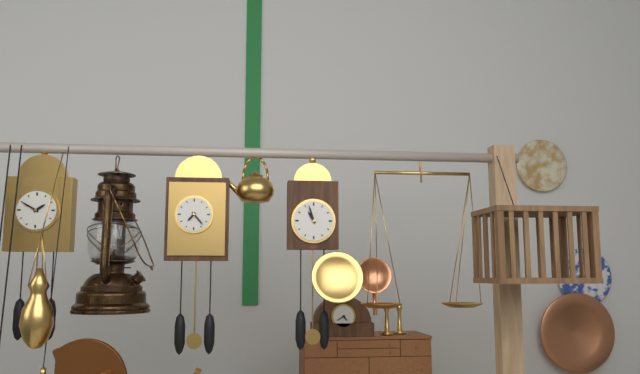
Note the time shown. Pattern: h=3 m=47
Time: h=10 m=57
